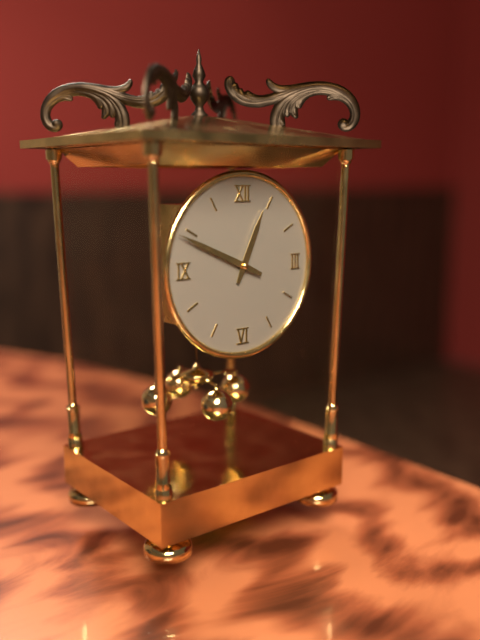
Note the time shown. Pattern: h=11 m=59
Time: h=12 m=49
